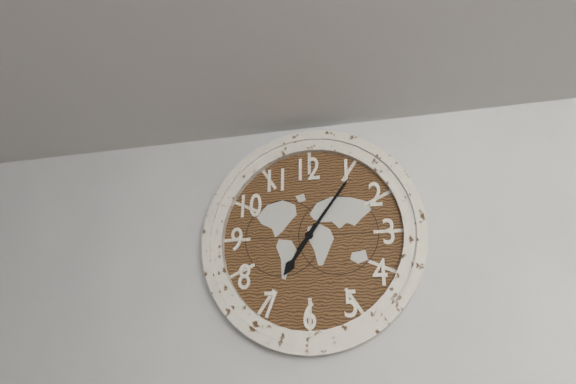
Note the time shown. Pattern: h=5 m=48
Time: h=7 m=6
